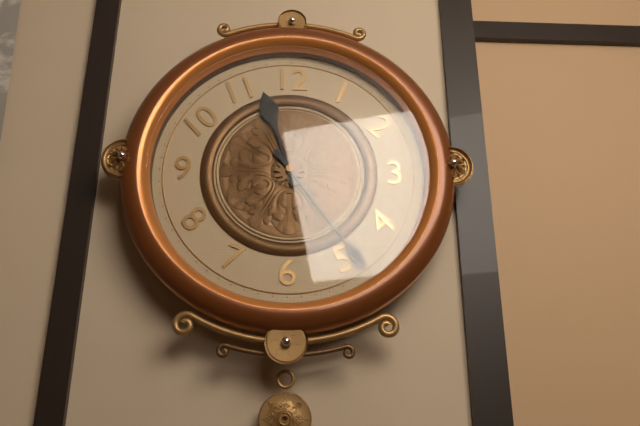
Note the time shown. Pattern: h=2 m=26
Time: h=11 m=24
